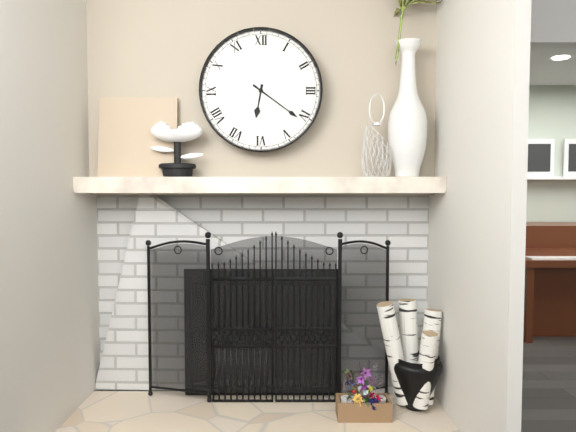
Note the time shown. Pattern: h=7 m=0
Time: h=6 m=21
